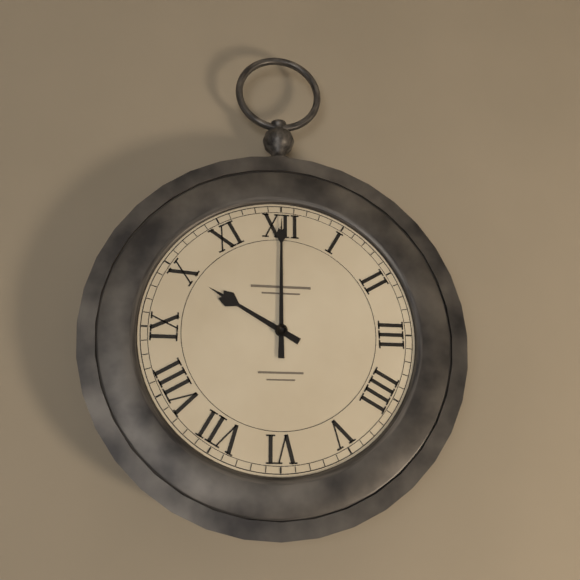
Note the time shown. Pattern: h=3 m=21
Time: h=10 m=0
